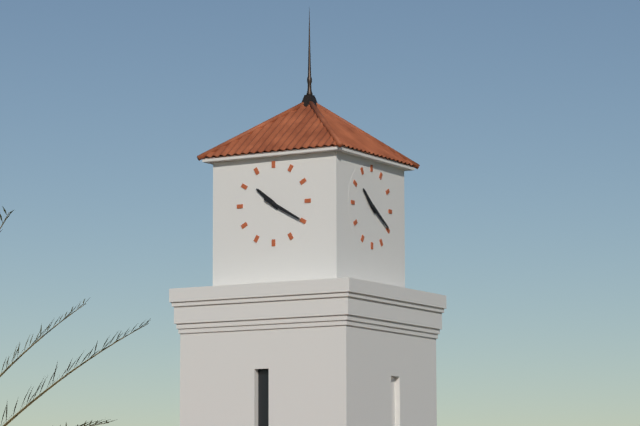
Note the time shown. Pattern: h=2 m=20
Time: h=10 m=20
